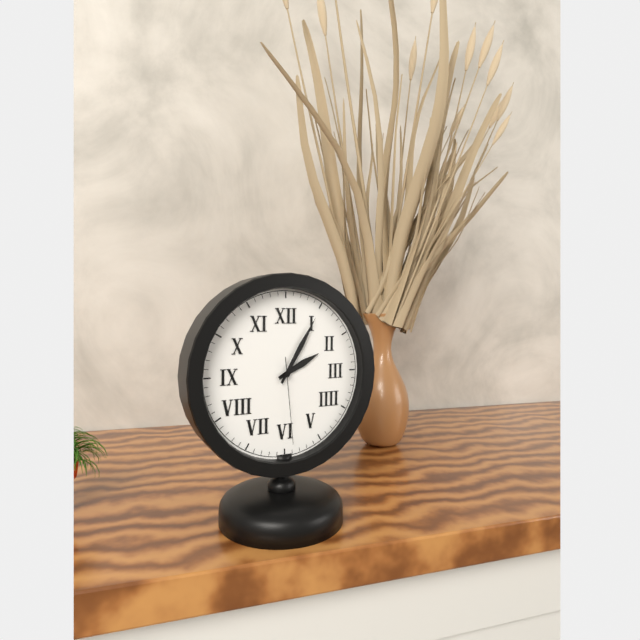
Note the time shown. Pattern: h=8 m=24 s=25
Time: h=2 m=5 s=29
